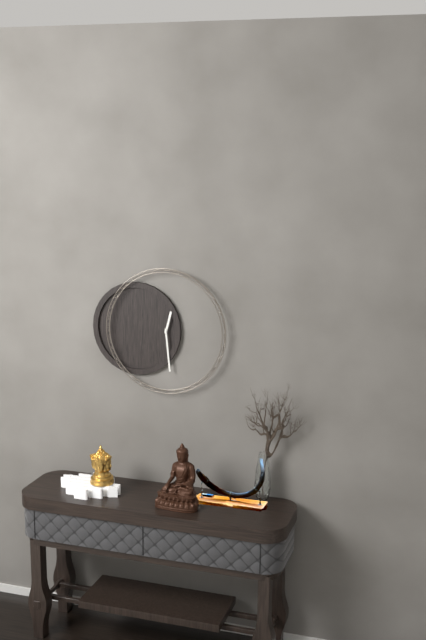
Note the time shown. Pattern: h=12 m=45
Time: h=12 m=29
